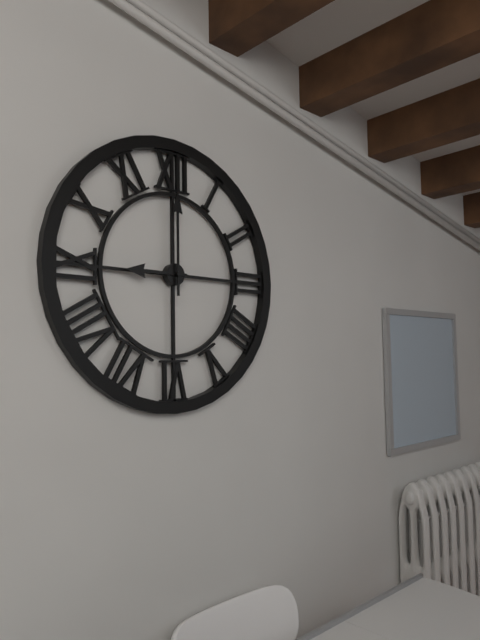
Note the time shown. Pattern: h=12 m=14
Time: h=9 m=0
